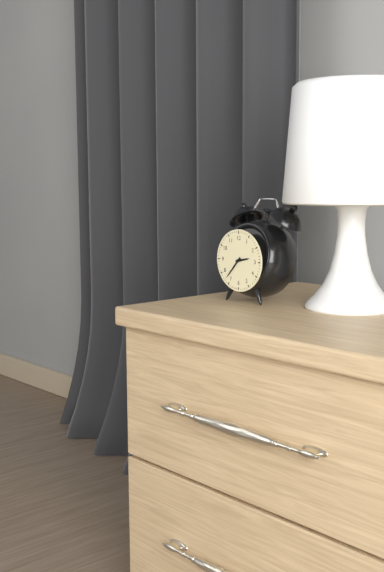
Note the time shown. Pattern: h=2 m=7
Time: h=2 m=37
